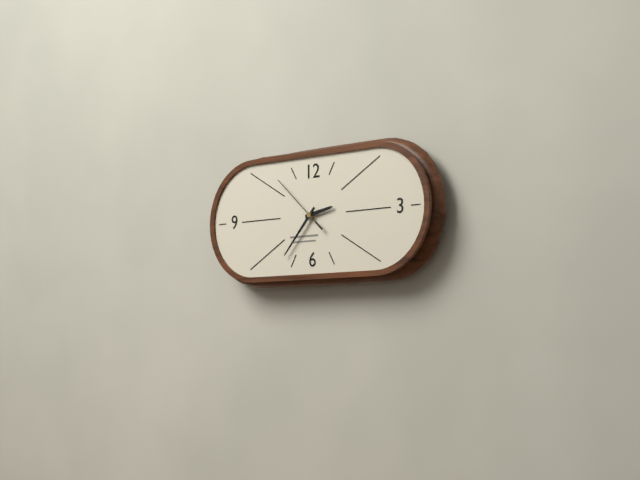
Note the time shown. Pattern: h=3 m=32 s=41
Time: h=2 m=37 s=52
